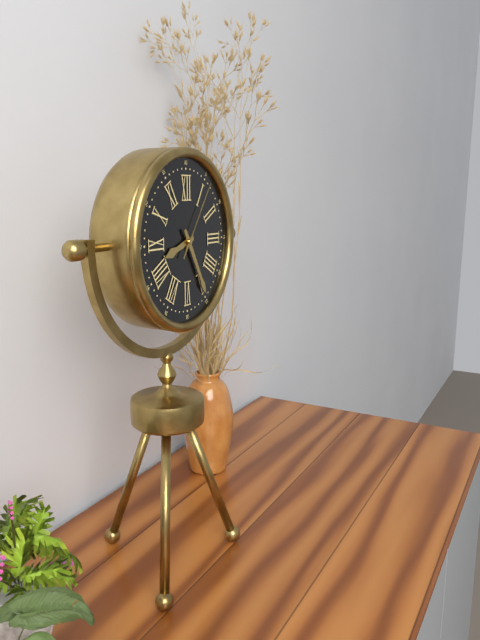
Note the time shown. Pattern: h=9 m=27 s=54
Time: h=8 m=25 s=6
